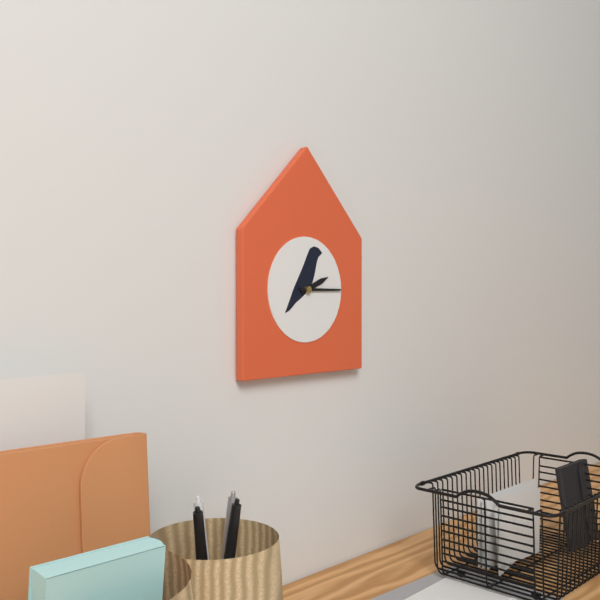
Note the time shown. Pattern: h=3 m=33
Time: h=2 m=15
